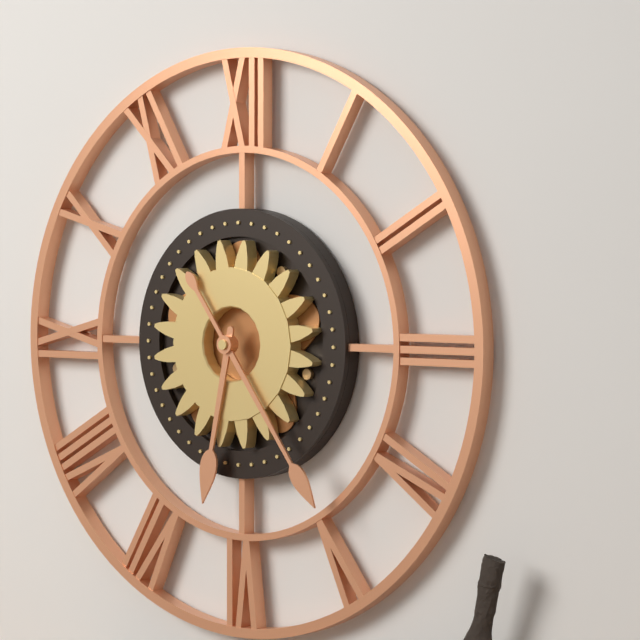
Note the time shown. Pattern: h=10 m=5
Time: h=6 m=24
